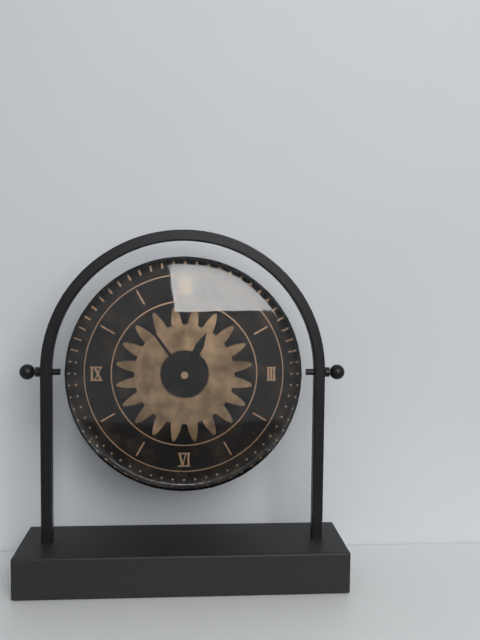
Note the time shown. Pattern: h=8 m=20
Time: h=12 m=54
